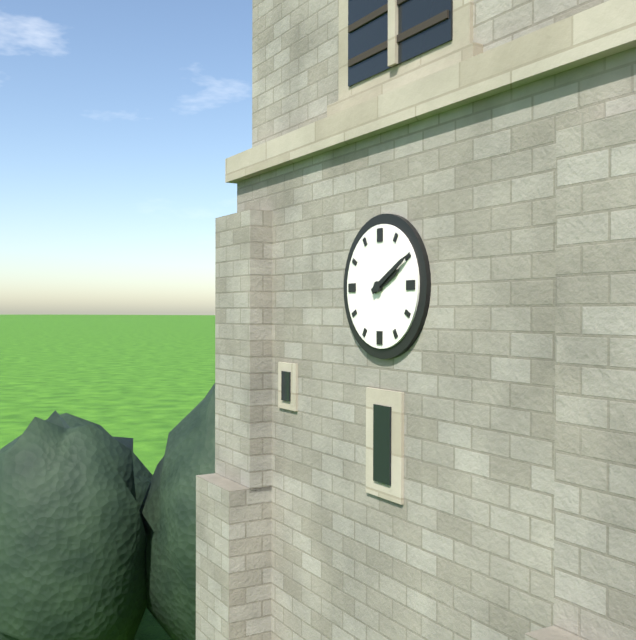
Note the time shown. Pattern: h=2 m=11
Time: h=2 m=10
